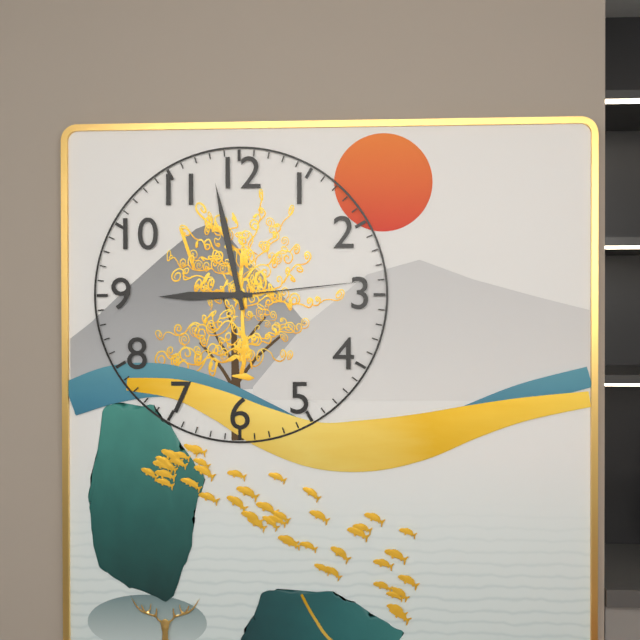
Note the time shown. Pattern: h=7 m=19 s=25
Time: h=8 m=58 s=14
